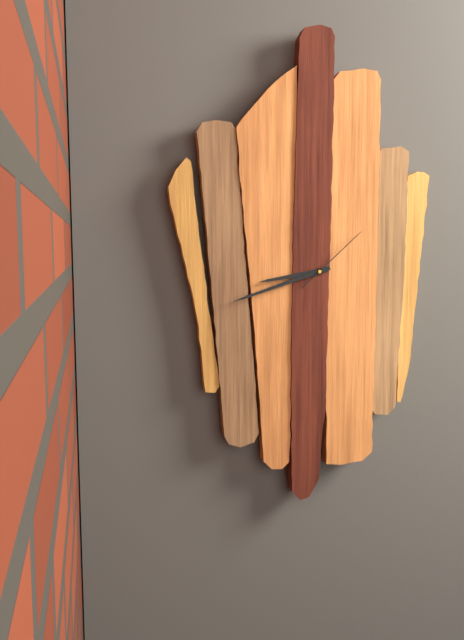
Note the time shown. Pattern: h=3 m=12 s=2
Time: h=8 m=42 s=8
